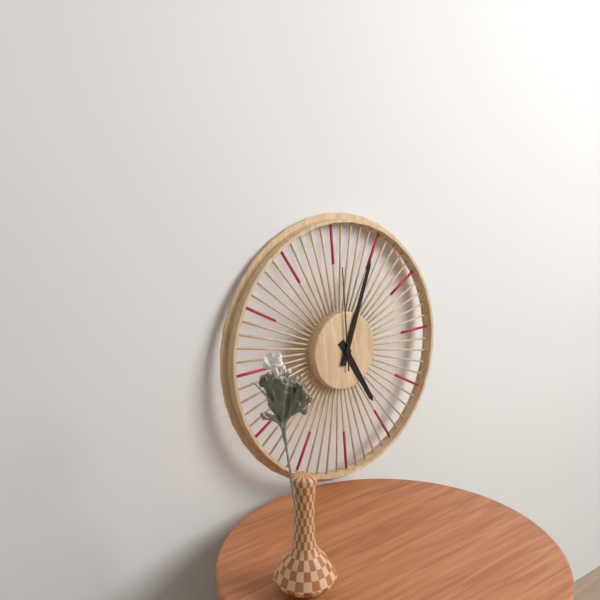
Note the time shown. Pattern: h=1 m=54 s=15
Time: h=5 m=4 s=0
